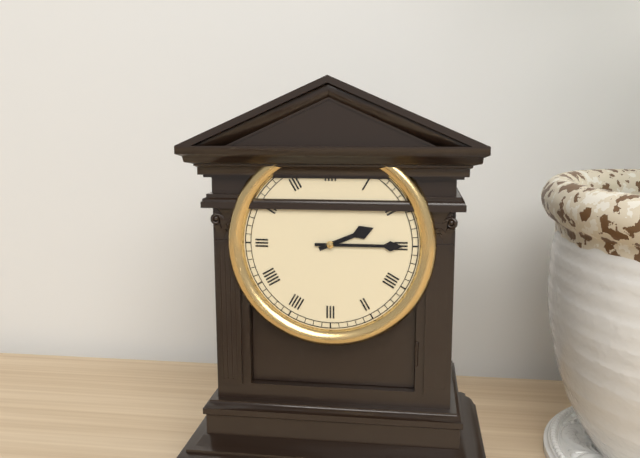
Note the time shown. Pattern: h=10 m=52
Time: h=2 m=15
